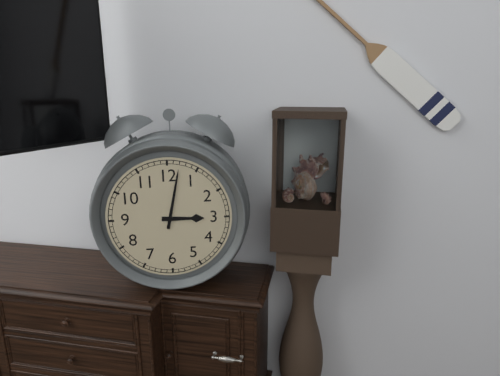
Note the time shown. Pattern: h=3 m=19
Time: h=3 m=2
